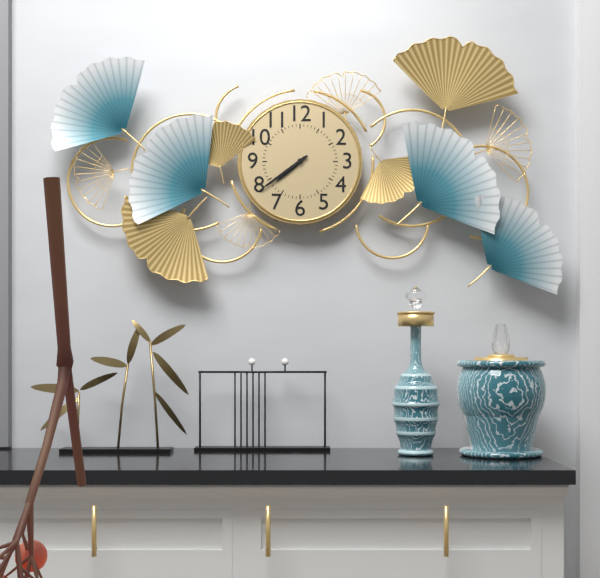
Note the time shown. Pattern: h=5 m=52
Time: h=7 m=39
